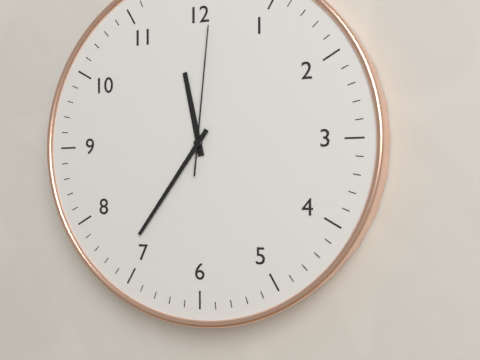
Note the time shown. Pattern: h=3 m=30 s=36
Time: h=11 m=36 s=1
